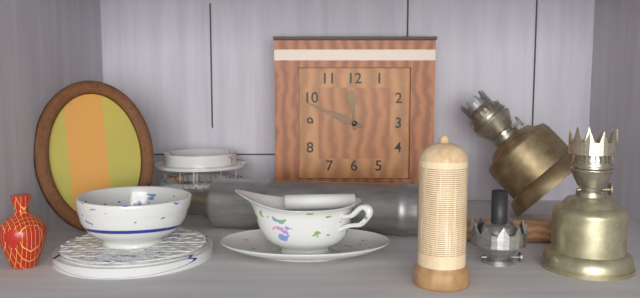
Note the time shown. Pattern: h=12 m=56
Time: h=11 m=49
